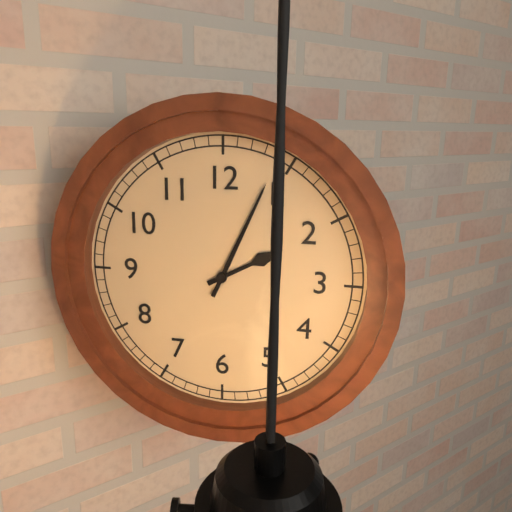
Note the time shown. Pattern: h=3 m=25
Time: h=2 m=4
